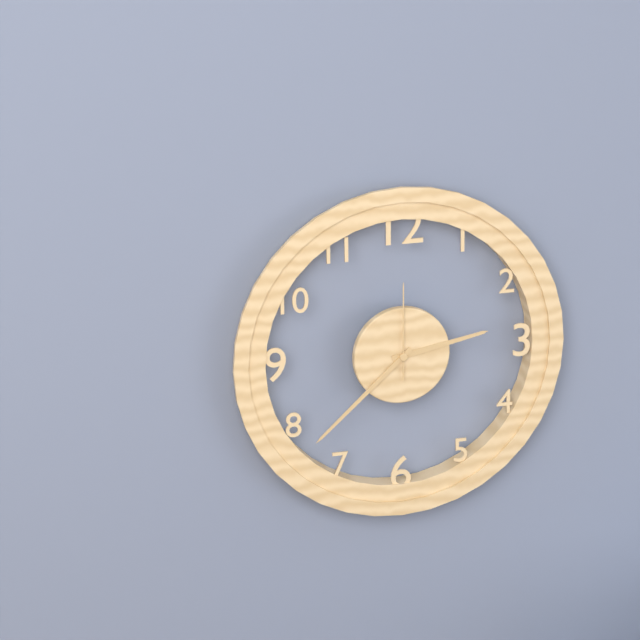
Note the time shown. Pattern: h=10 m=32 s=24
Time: h=2 m=38 s=0
